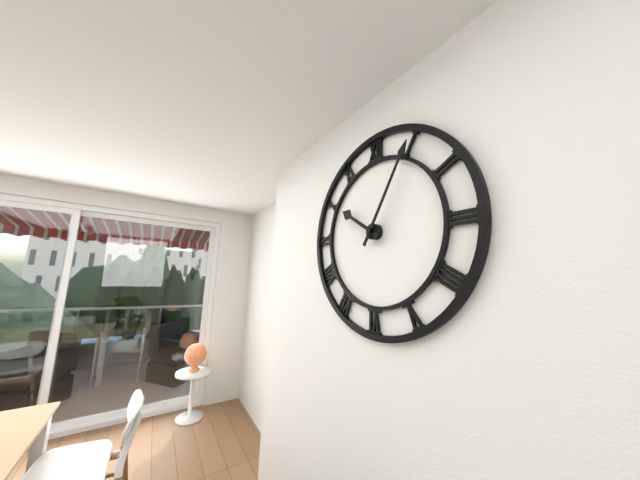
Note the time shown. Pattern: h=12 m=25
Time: h=10 m=5
